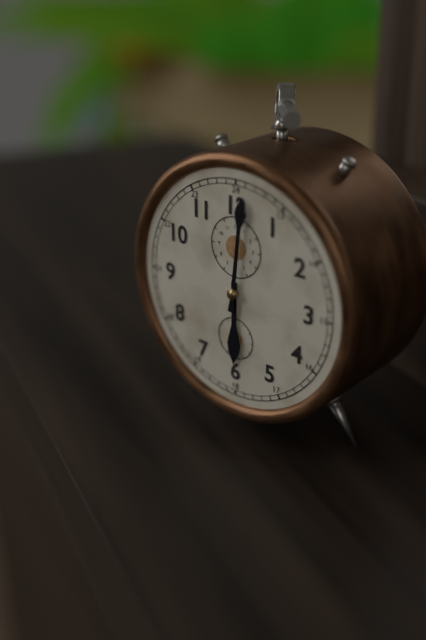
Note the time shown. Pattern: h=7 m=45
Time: h=6 m=1
